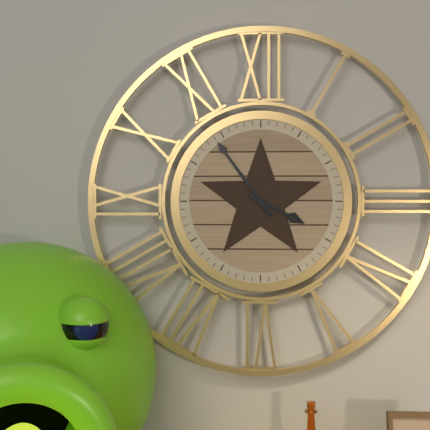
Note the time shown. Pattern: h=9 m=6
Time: h=3 m=54
